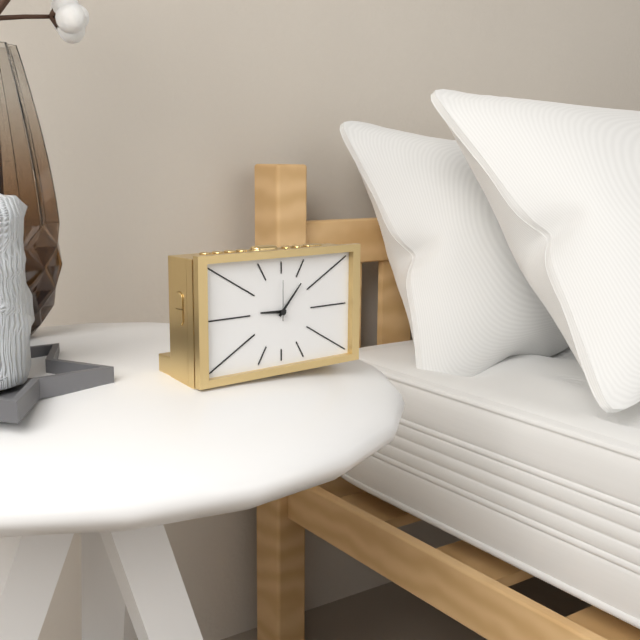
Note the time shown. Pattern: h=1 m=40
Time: h=9 m=7
